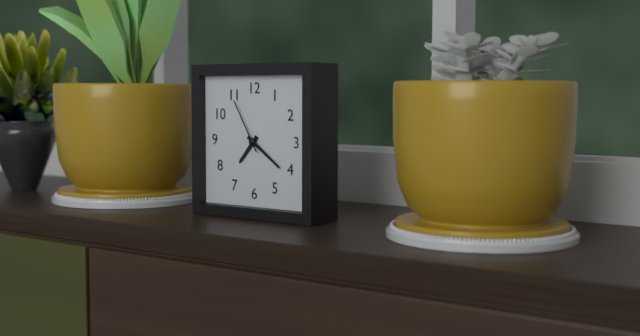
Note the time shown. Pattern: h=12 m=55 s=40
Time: h=7 m=21 s=55
